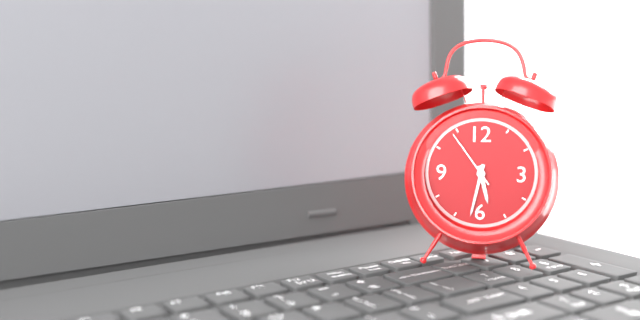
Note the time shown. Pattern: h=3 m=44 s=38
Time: h=5 m=32 s=54
